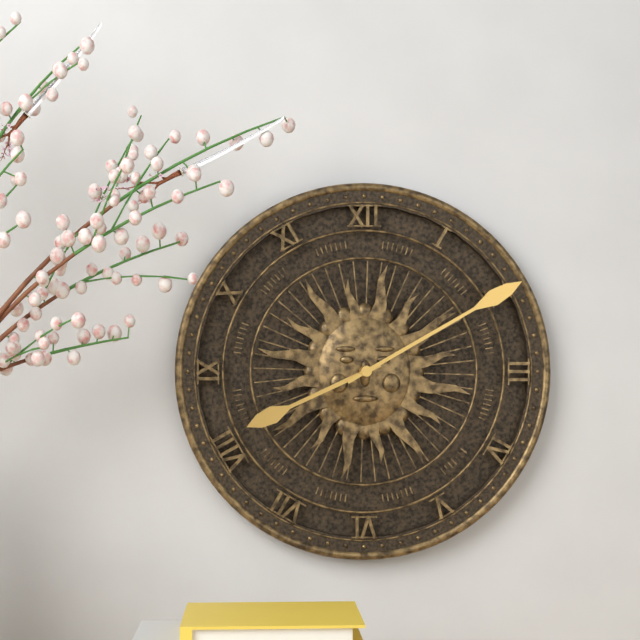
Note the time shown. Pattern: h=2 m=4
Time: h=8 m=10
